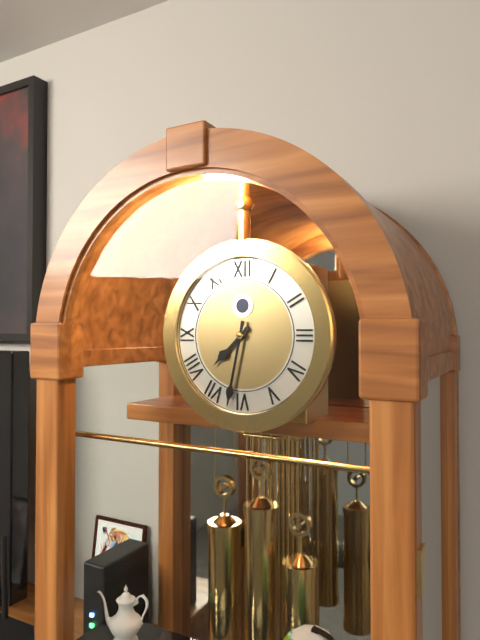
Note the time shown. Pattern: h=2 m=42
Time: h=7 m=32
